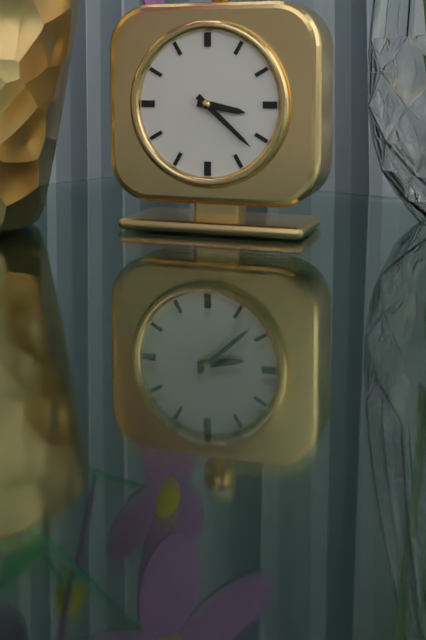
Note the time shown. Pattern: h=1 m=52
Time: h=3 m=22
